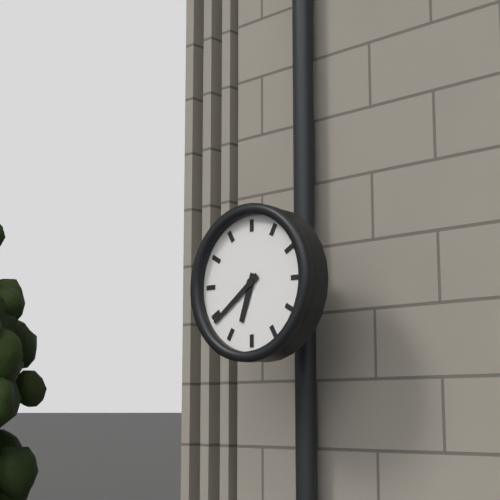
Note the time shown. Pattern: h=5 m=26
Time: h=6 m=39
